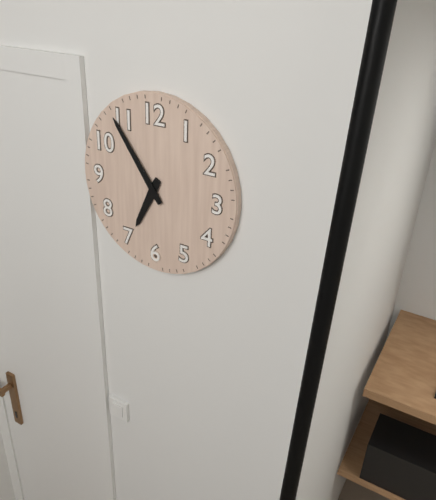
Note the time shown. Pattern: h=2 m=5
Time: h=6 m=54
